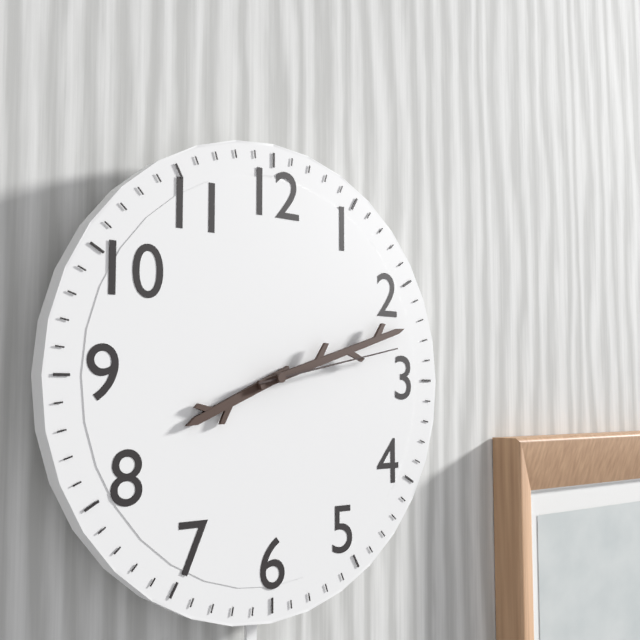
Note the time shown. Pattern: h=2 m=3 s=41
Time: h=8 m=12 s=13
